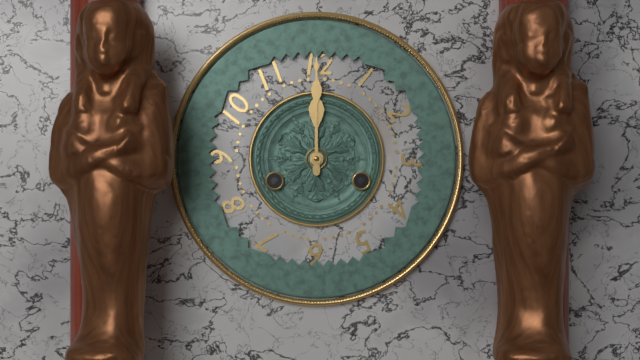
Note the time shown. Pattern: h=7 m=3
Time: h=12 m=0
